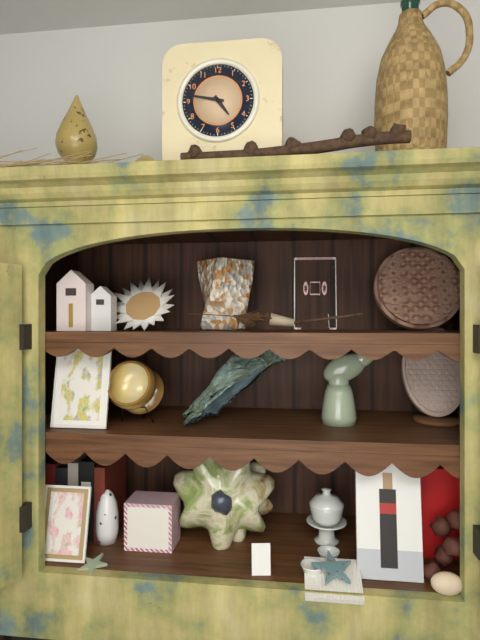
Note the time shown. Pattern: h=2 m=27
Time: h=4 m=47
